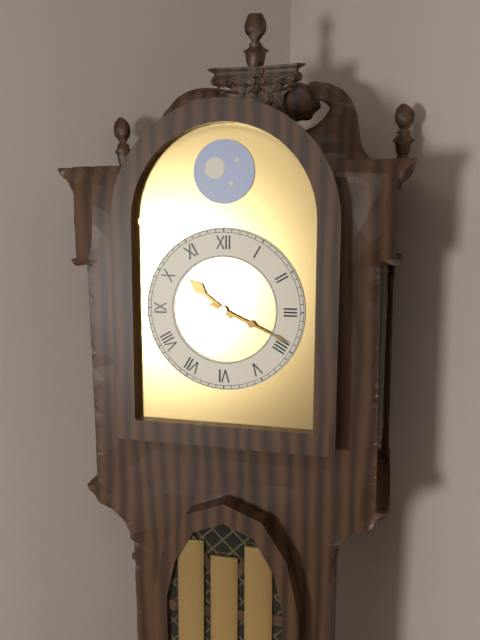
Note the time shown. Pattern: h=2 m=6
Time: h=10 m=19
